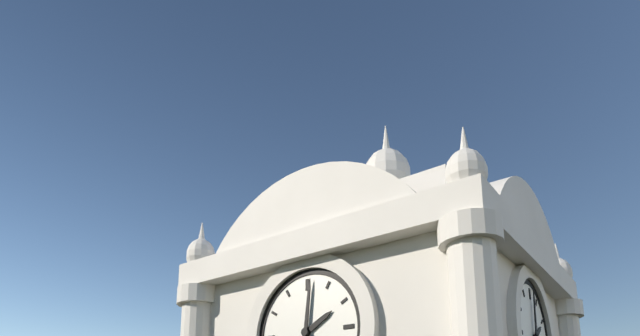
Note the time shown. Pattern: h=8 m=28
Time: h=2 m=1
